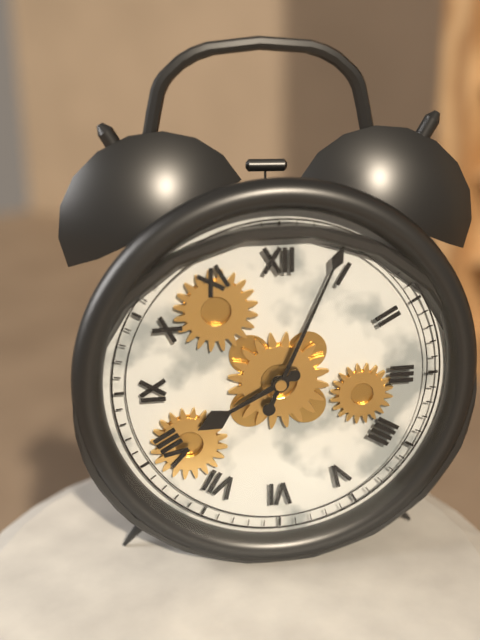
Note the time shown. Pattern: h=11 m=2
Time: h=8 m=4
